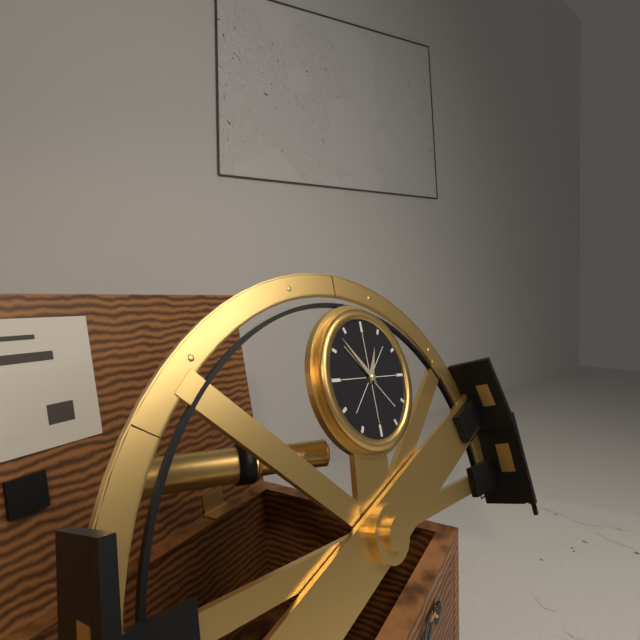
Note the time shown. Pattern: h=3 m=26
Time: h=12 m=53
